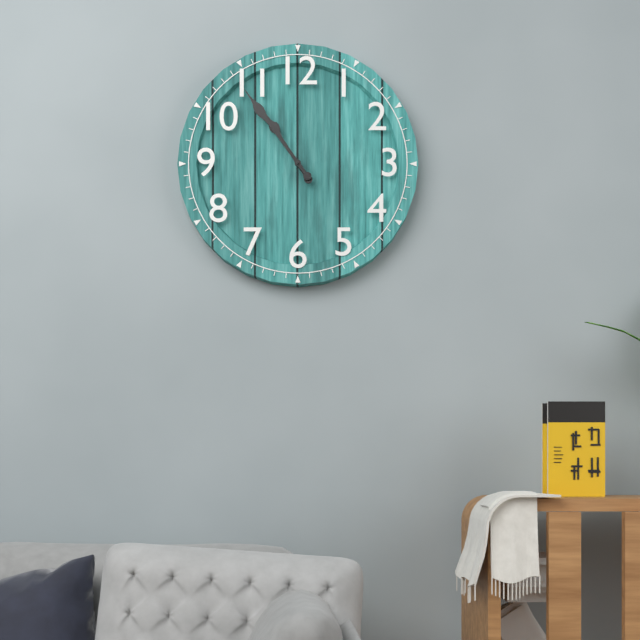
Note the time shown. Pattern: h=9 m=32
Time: h=10 m=54
